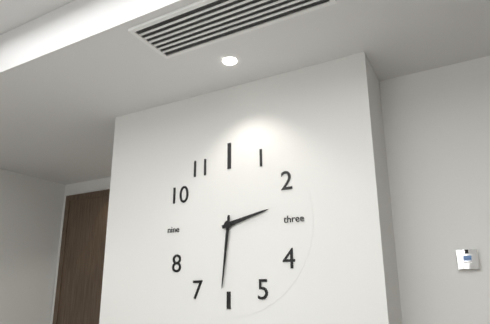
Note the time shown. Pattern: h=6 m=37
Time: h=2 m=31
